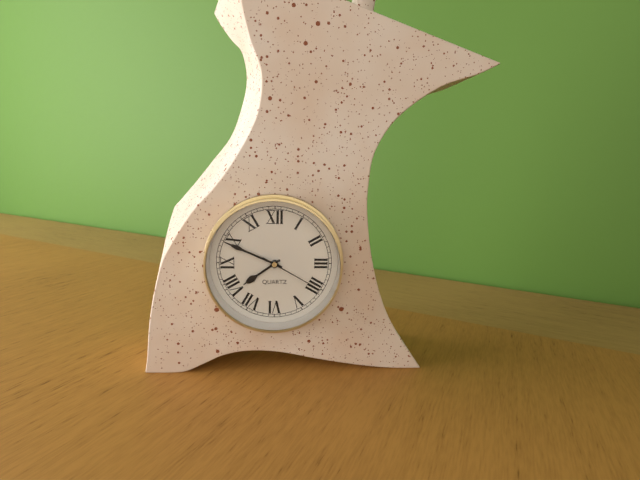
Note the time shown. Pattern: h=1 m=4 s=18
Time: h=7 m=49 s=20
